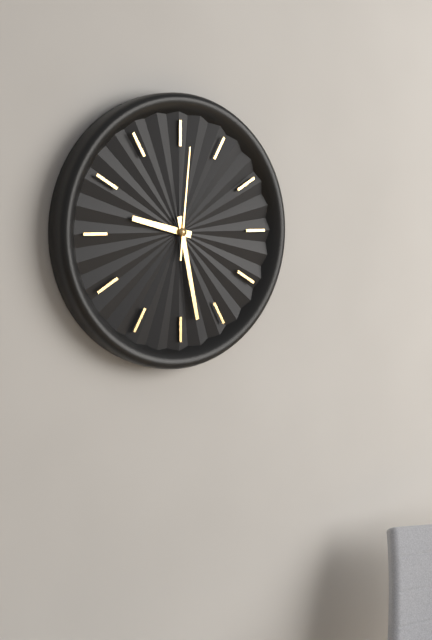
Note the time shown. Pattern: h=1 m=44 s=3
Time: h=9 m=28 s=1
